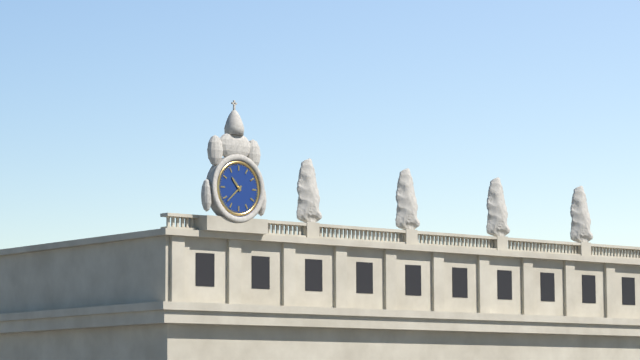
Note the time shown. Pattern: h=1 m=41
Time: h=10 m=38
